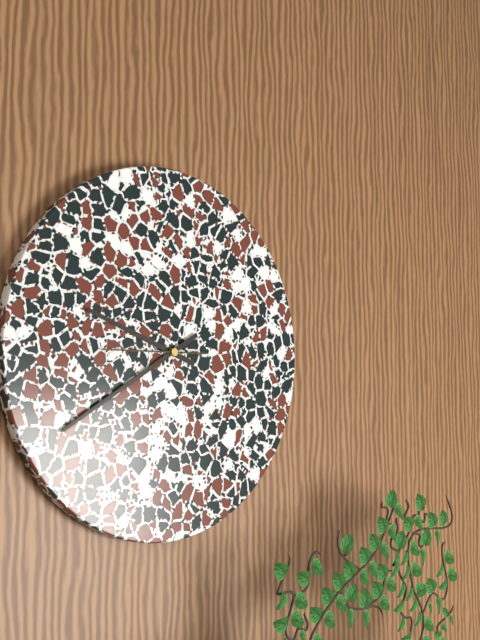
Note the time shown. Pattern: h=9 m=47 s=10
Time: h=9 m=40 s=45
